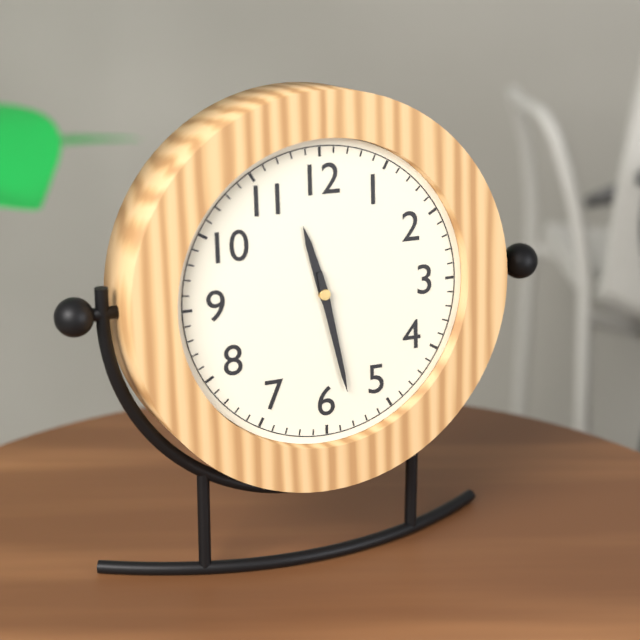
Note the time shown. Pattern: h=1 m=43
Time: h=11 m=28
